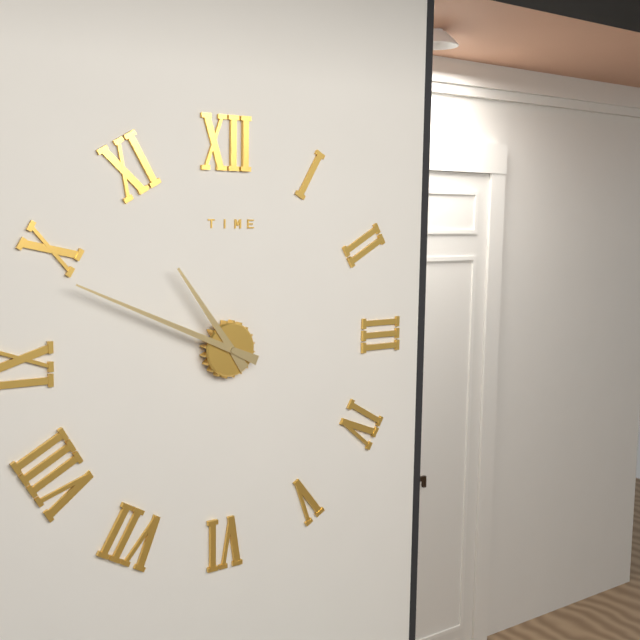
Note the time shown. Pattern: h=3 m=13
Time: h=10 m=49
